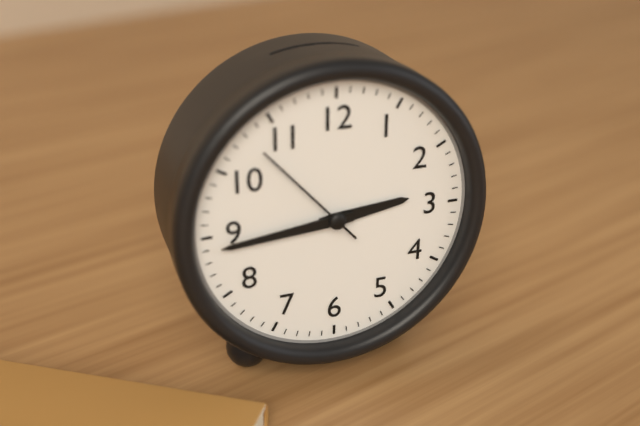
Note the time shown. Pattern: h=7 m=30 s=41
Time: h=2 m=44 s=53
